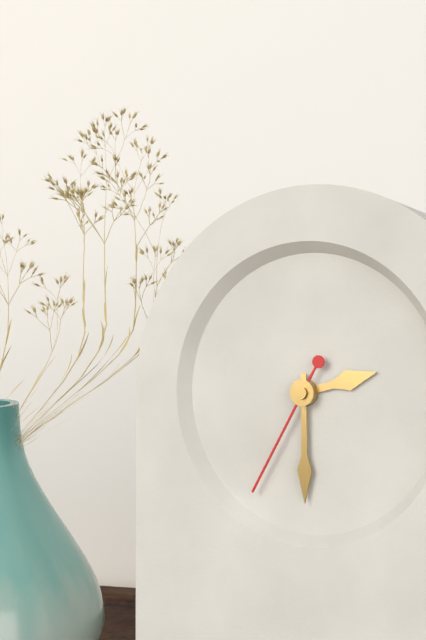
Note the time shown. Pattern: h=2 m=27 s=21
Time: h=2 m=30 s=35
